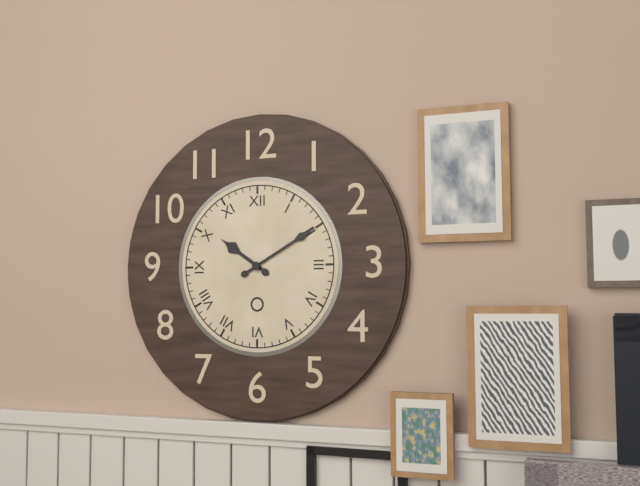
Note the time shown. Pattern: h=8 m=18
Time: h=10 m=10
